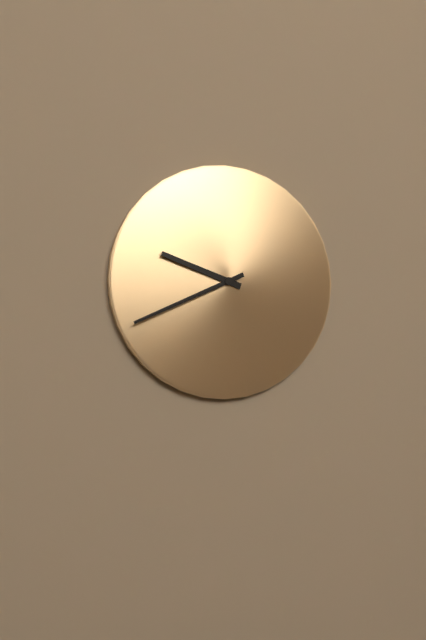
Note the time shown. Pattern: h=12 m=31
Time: h=9 m=41
